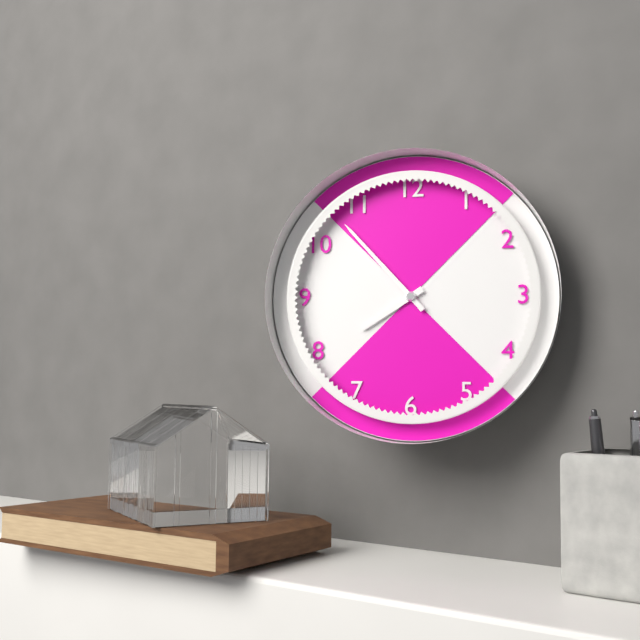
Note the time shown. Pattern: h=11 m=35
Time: h=7 m=53
